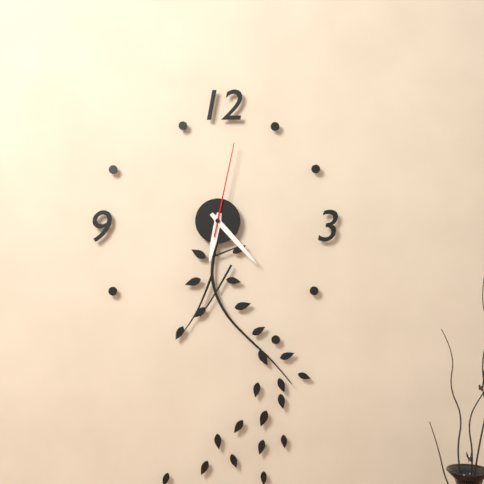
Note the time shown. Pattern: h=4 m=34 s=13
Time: h=6 m=23 s=2
